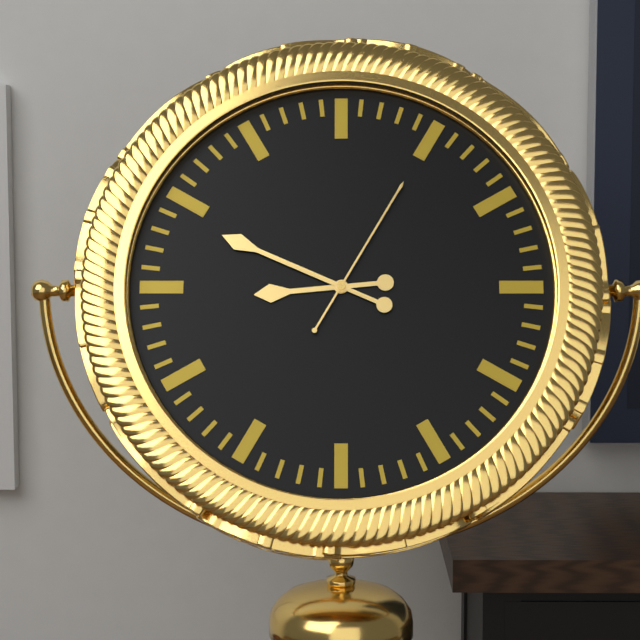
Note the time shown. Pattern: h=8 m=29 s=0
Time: h=8 m=49 s=5
